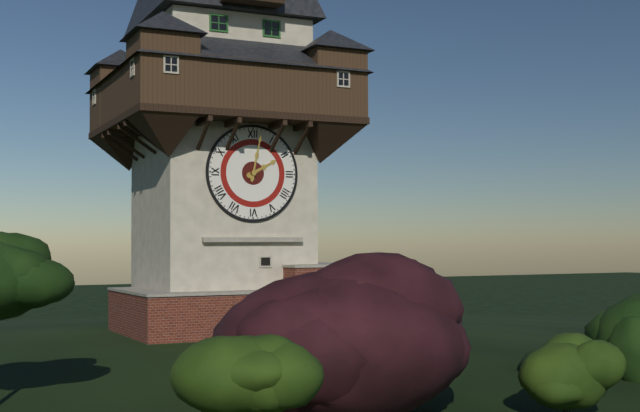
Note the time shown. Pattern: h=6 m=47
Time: h=2 m=2
